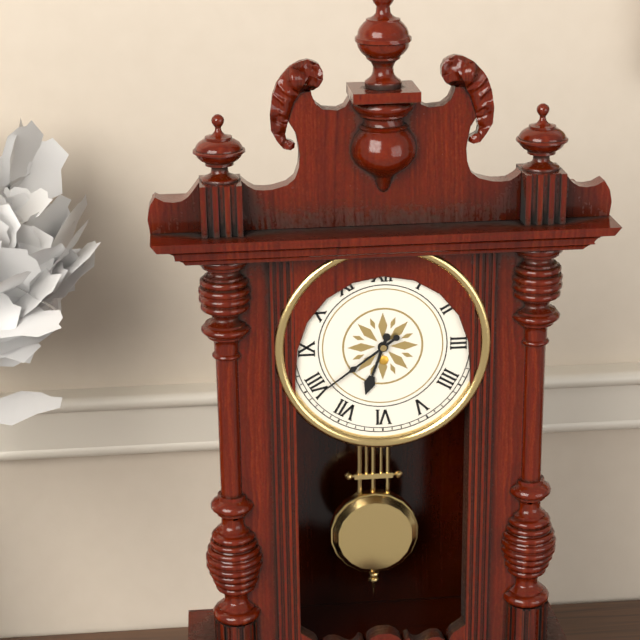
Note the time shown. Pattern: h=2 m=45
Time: h=6 m=39
